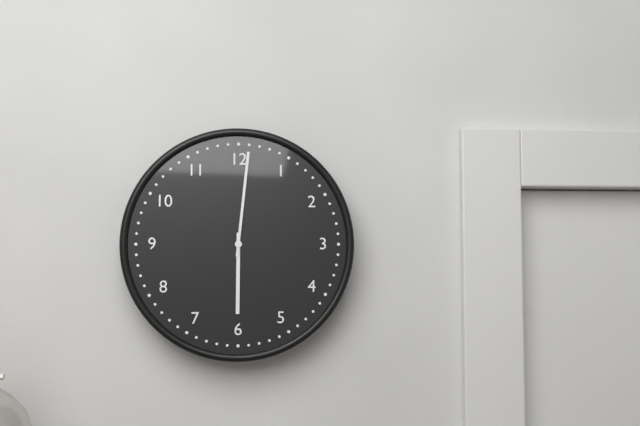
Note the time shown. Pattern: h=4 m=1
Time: h=6 m=1
